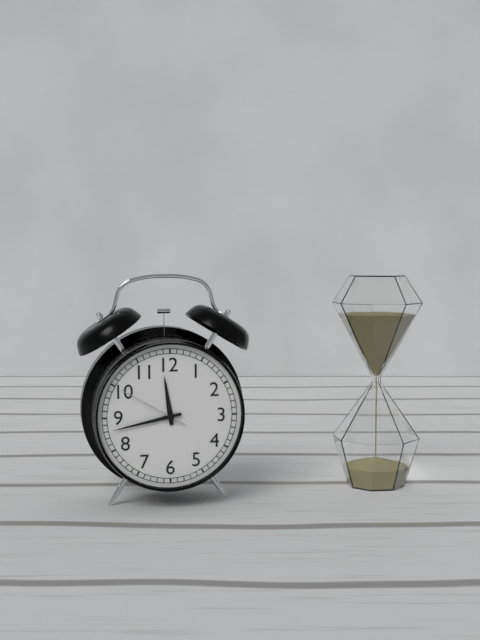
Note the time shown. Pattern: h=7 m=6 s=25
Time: h=11 m=43 s=50
